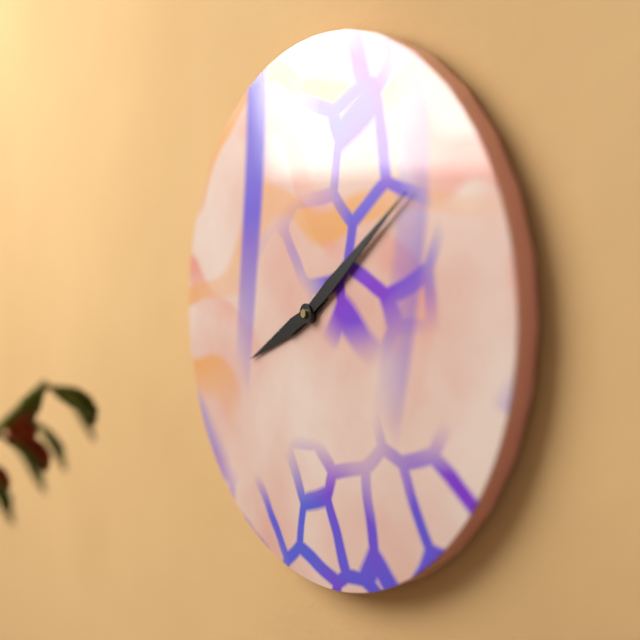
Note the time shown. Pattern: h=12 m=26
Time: h=8 m=9
